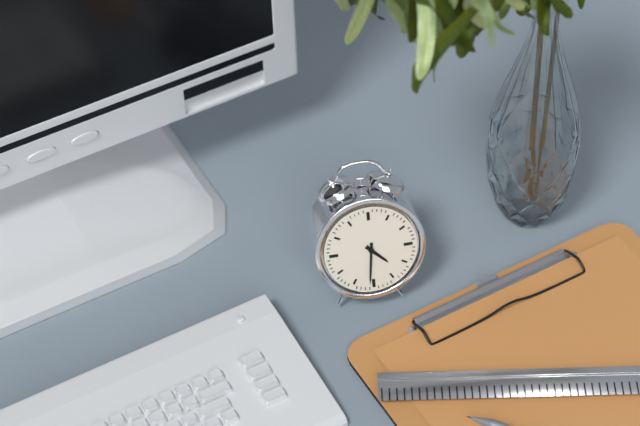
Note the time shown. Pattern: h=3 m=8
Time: h=4 m=31
